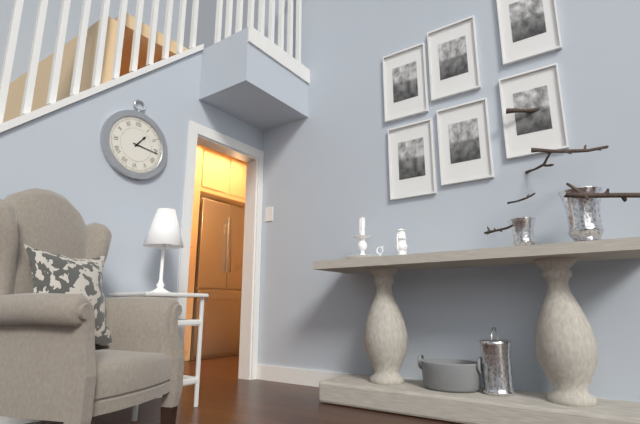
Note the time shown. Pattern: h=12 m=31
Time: h=1 m=16
